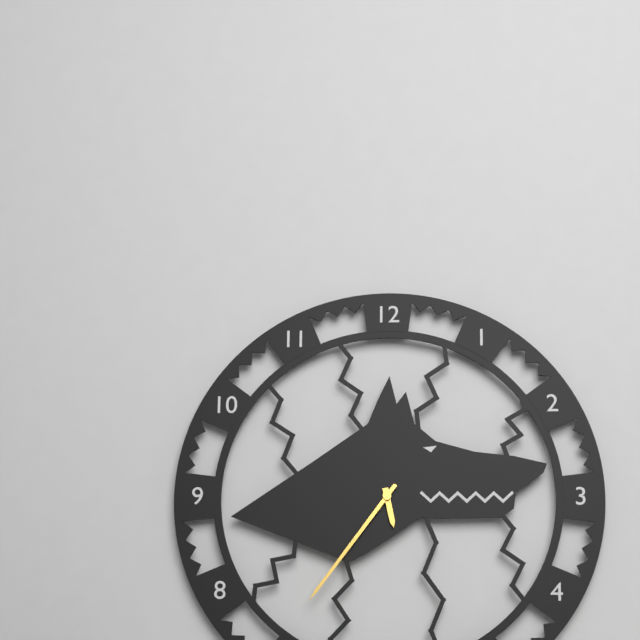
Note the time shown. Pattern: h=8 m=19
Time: h=5 m=36
